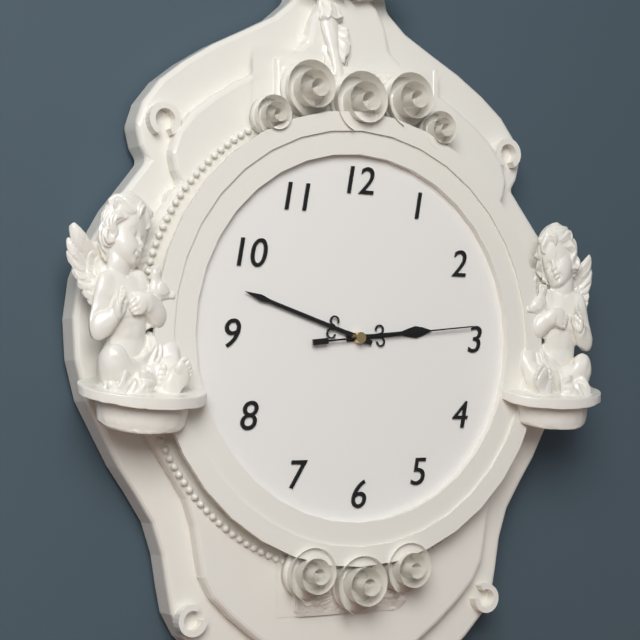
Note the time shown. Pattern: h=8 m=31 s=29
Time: h=2 m=48 s=14
